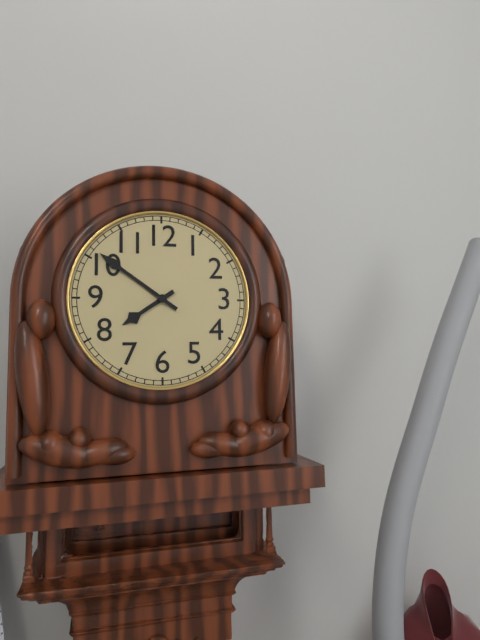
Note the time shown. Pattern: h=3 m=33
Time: h=7 m=51
